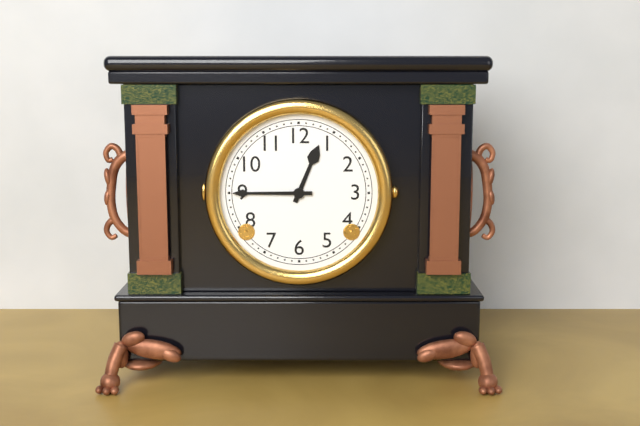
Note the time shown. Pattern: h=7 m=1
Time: h=12 m=45
